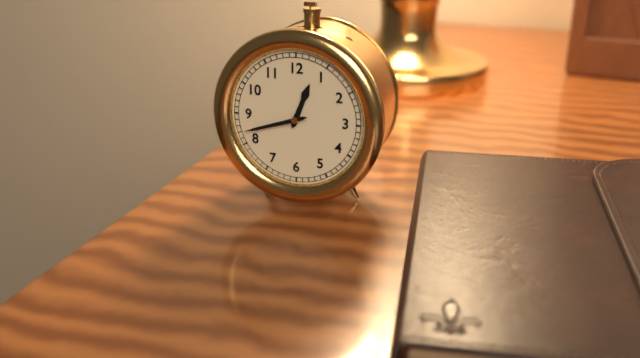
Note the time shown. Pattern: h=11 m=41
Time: h=12 m=42
